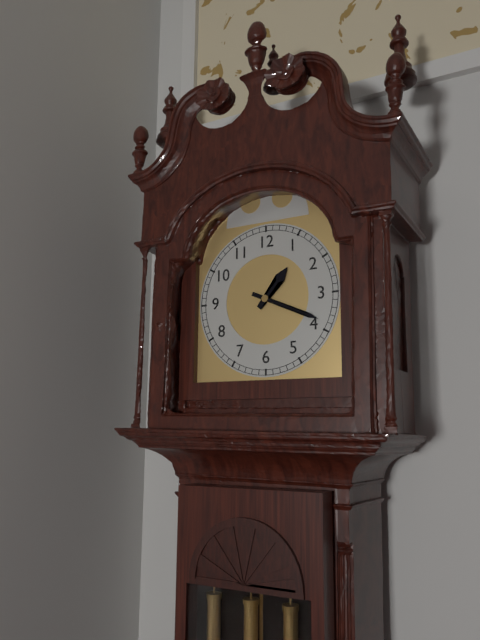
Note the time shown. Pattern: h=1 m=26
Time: h=1 m=19
